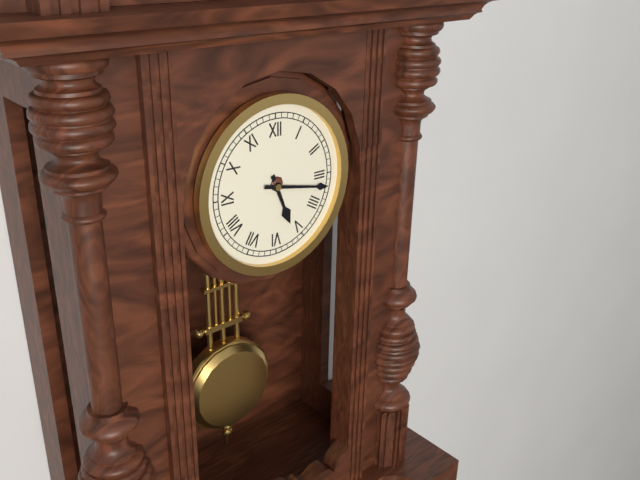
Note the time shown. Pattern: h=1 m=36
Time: h=5 m=17
